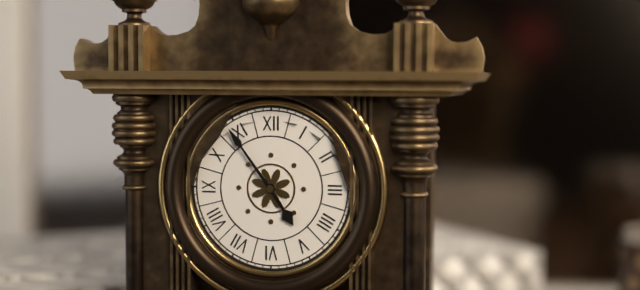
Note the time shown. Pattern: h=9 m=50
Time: h=4 m=54
